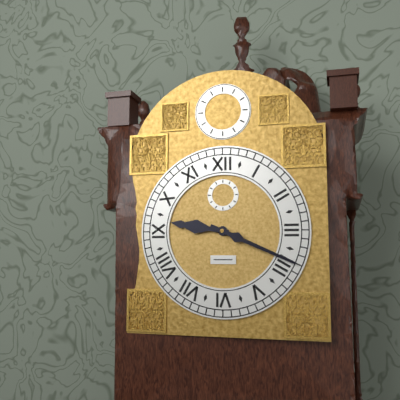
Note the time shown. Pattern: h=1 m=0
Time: h=9 m=19
